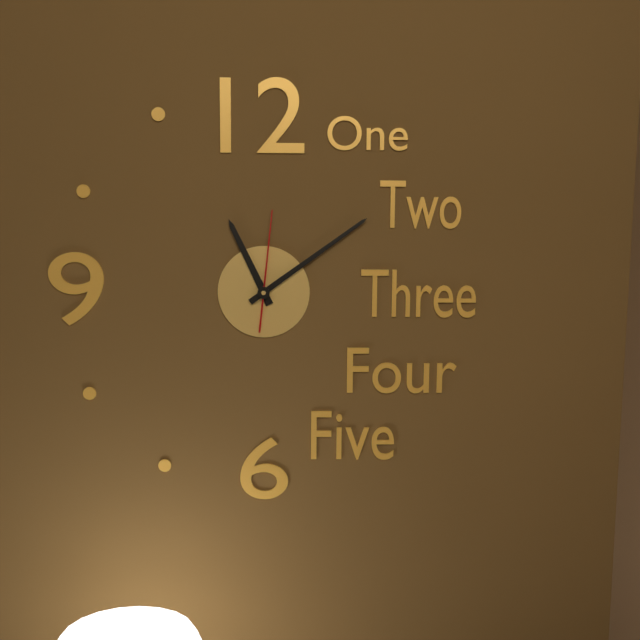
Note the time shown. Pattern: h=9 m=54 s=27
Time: h=11 m=9 s=1
